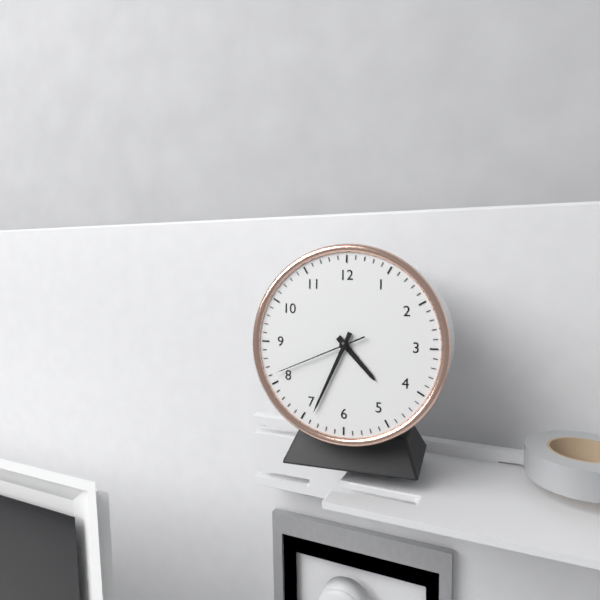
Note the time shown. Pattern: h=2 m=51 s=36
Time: h=4 m=34 s=41
